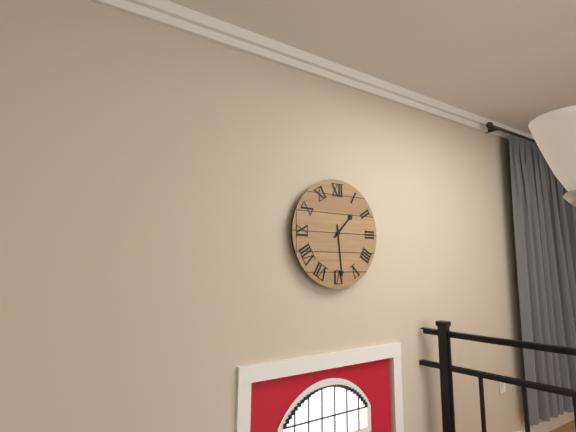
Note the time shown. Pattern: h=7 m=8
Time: h=1 m=29
